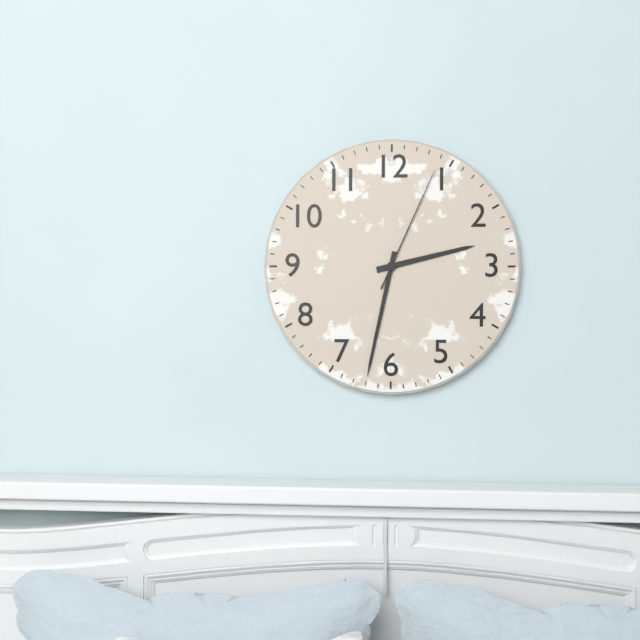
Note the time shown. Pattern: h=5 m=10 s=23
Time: h=2 m=32 s=4
